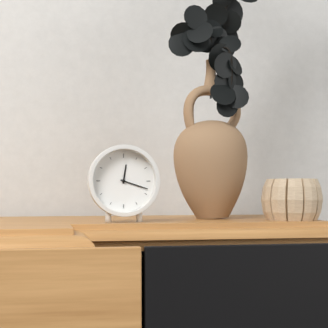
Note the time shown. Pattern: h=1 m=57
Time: h=12 m=18
